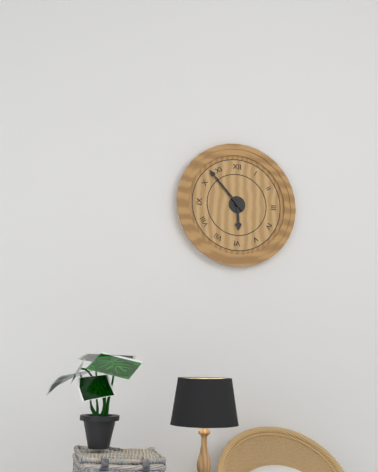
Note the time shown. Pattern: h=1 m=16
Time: h=5 m=53
